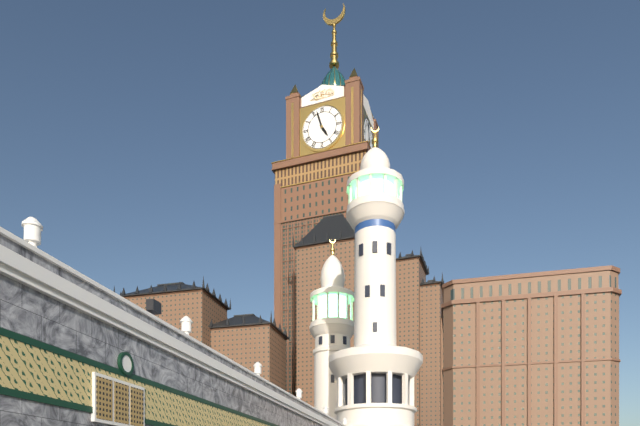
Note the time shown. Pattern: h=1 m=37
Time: h=4 m=57
